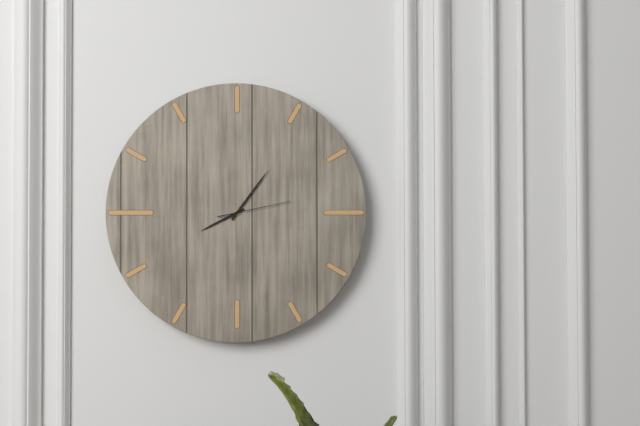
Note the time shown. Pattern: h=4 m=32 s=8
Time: h=8 m=6 s=13
